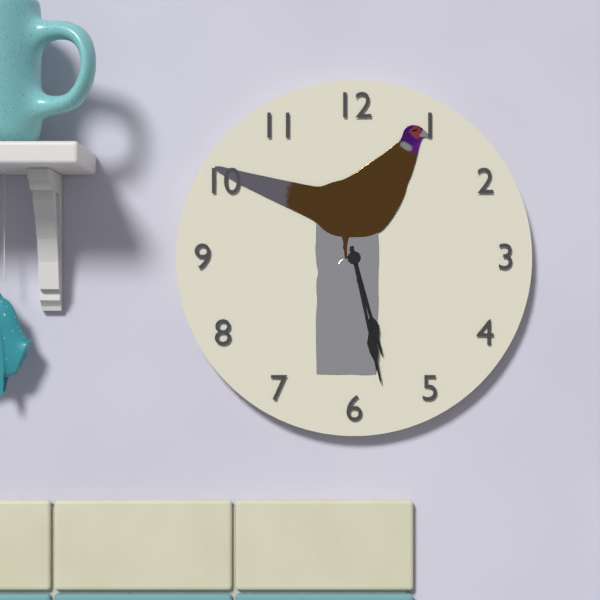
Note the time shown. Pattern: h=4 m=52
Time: h=5 m=28
